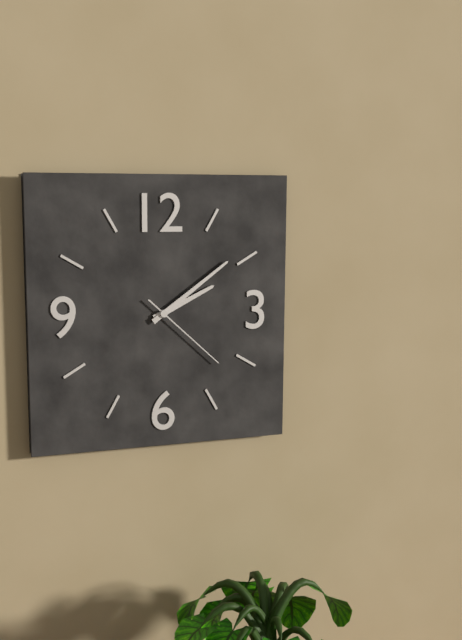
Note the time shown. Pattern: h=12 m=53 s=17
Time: h=2 m=9 s=22
